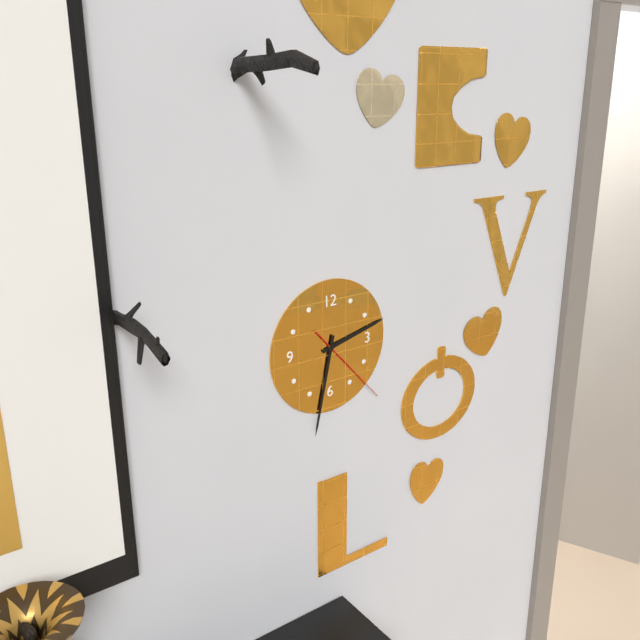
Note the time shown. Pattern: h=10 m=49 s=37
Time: h=2 m=32 s=23
